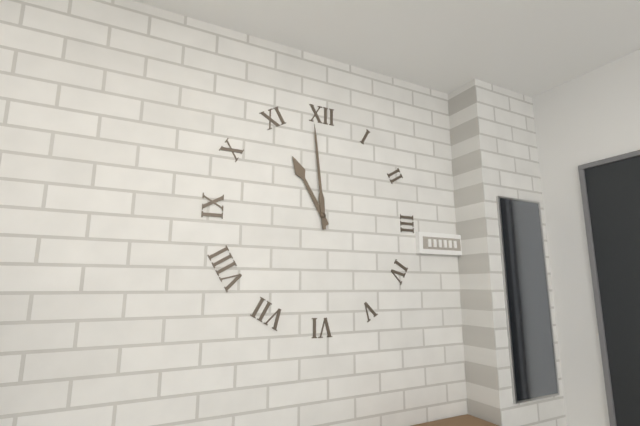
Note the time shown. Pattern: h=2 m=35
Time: h=10 m=59
